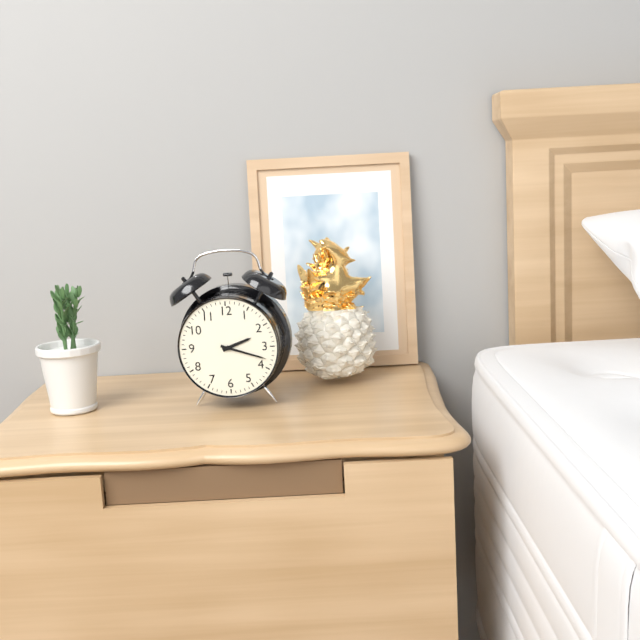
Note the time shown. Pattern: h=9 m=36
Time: h=2 m=18
